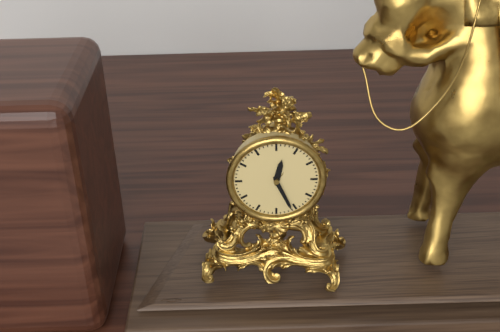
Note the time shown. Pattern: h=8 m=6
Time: h=12 m=26
